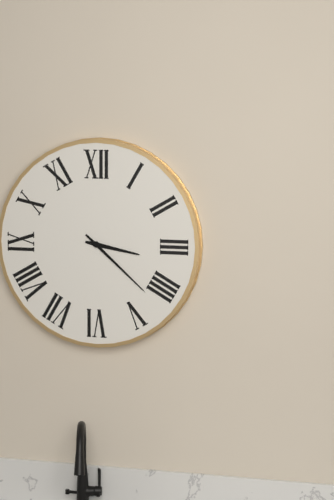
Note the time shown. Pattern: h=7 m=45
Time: h=3 m=22
